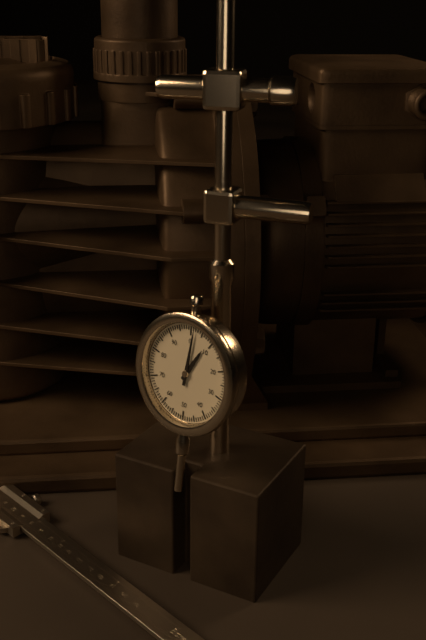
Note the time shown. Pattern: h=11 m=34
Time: h=1 m=1
